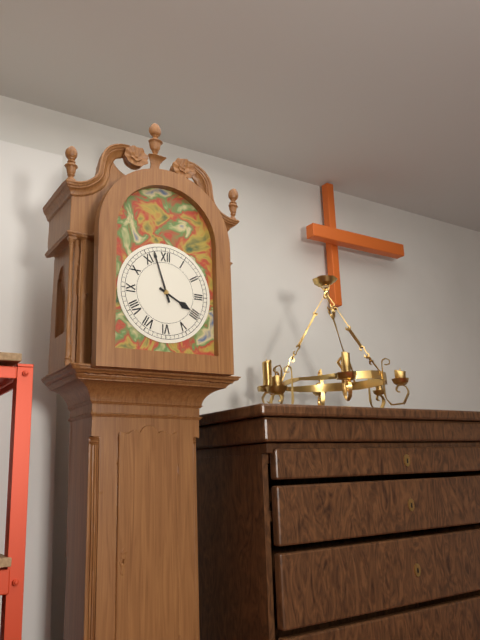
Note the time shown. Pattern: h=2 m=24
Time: h=3 m=57
